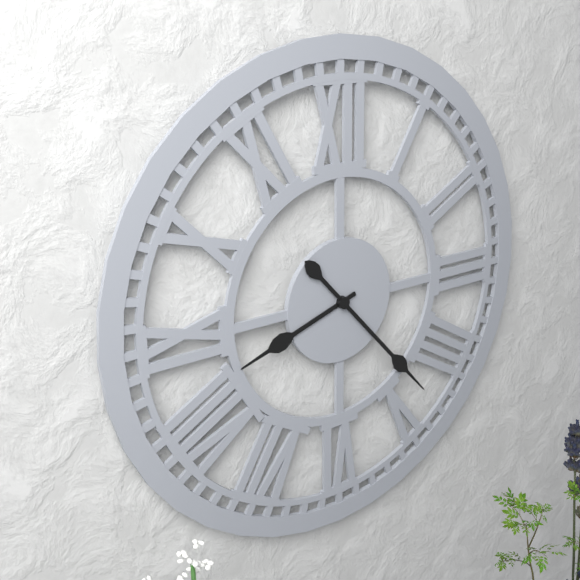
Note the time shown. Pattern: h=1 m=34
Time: h=8 m=23
